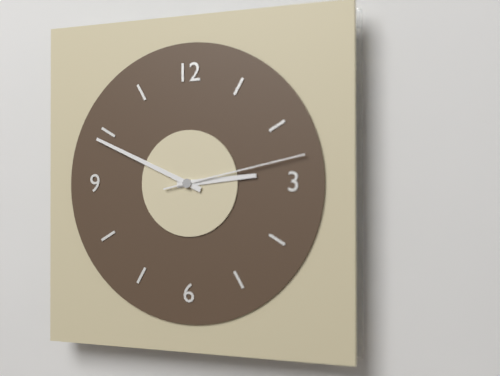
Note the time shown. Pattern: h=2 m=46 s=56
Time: h=2 m=49 s=13
